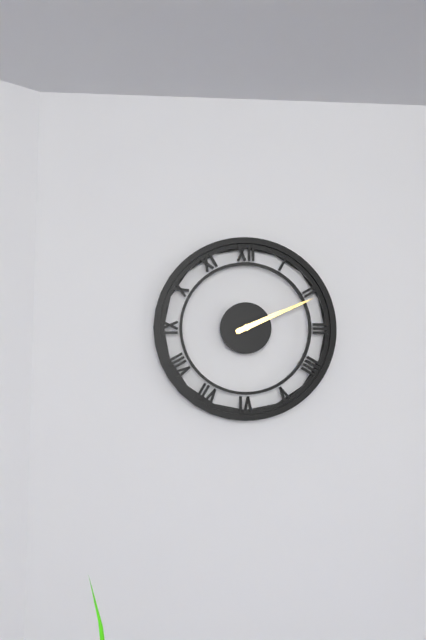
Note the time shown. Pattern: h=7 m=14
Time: h=2 m=11
